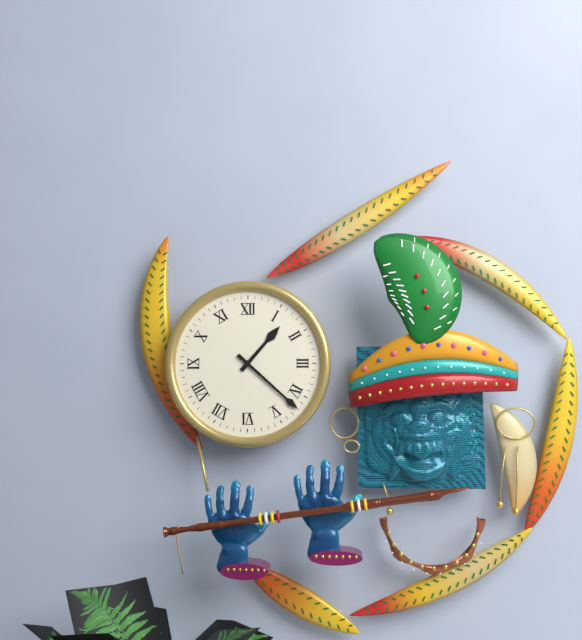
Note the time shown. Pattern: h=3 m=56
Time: h=1 m=22
